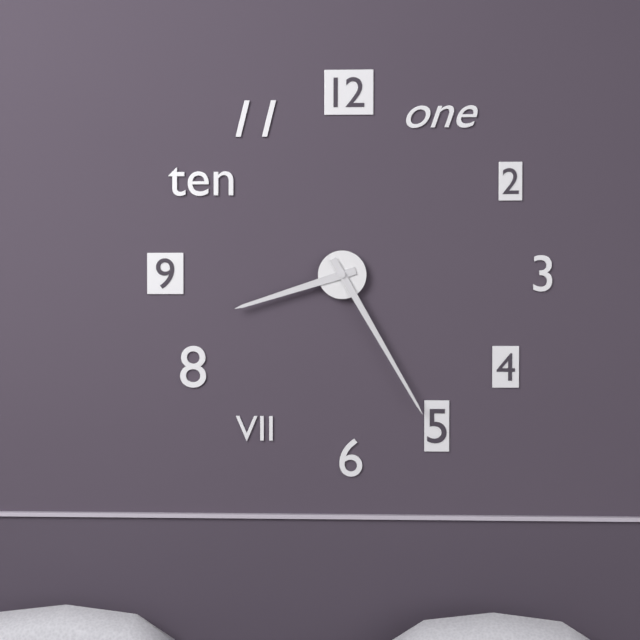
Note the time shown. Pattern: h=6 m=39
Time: h=8 m=25
